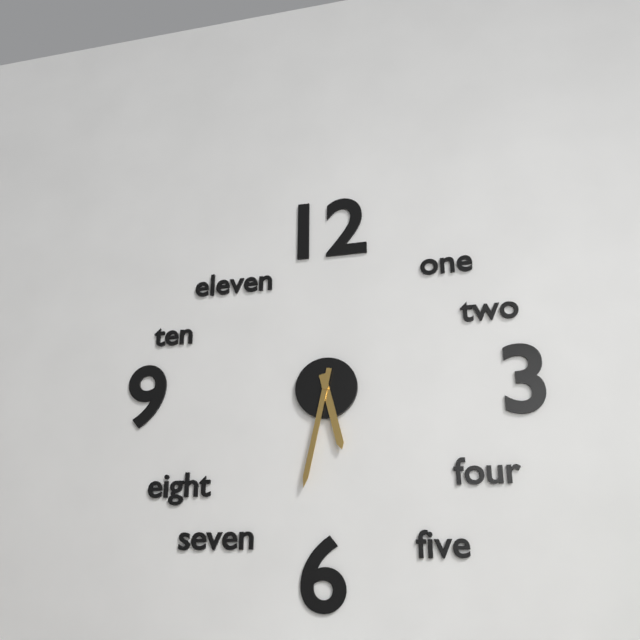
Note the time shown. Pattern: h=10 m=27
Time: h=5 m=32
